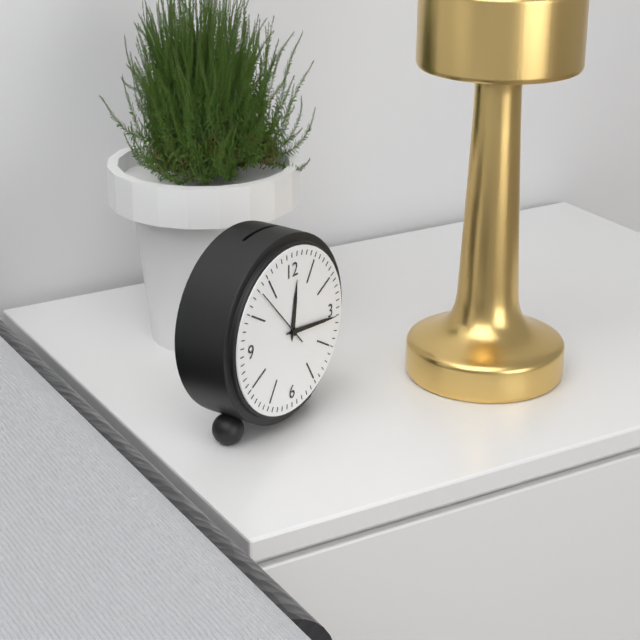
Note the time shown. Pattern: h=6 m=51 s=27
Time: h=12 m=16 s=53
